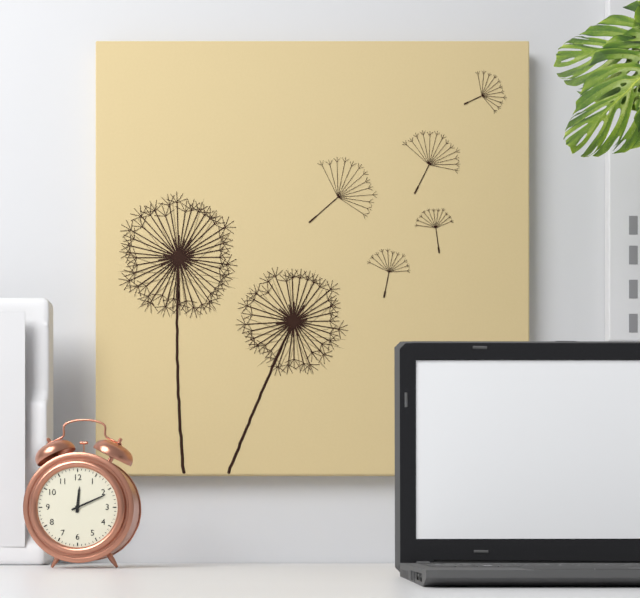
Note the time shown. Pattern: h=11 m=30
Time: h=12 m=11
